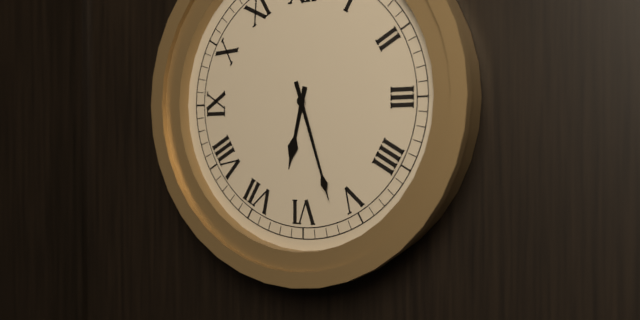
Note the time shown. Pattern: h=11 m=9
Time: h=6 m=27
